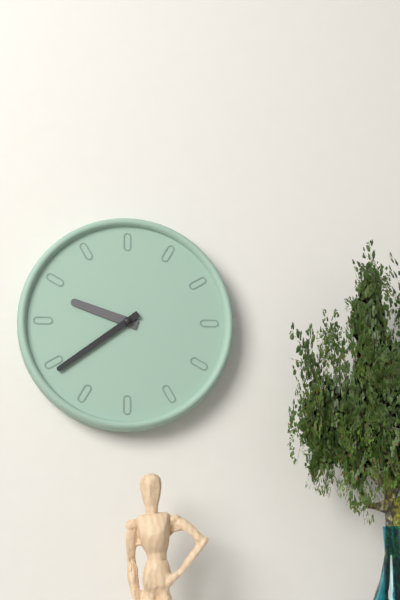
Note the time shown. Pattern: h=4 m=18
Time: h=9 m=39
